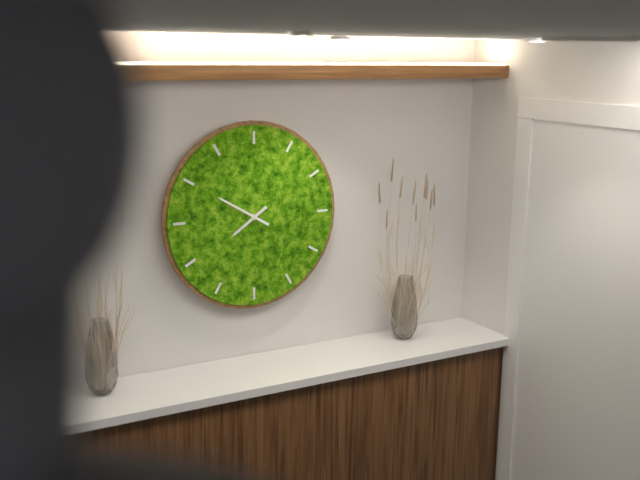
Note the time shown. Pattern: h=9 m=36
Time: h=7 m=50
